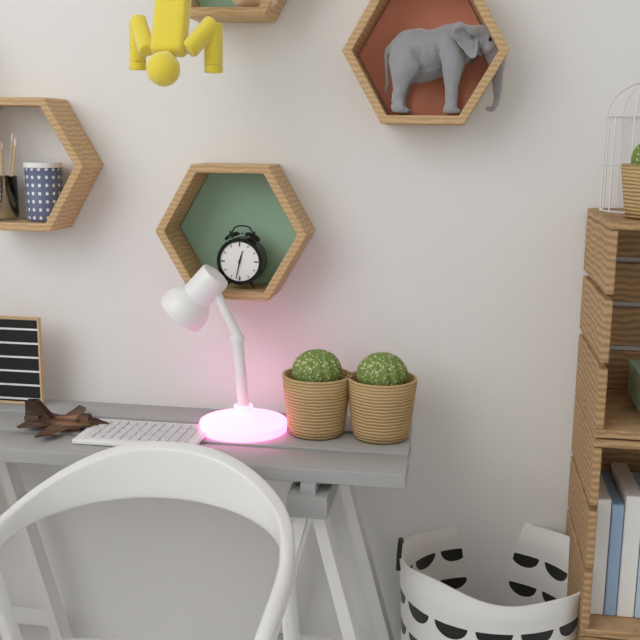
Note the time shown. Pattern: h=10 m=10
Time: h=12 m=32
